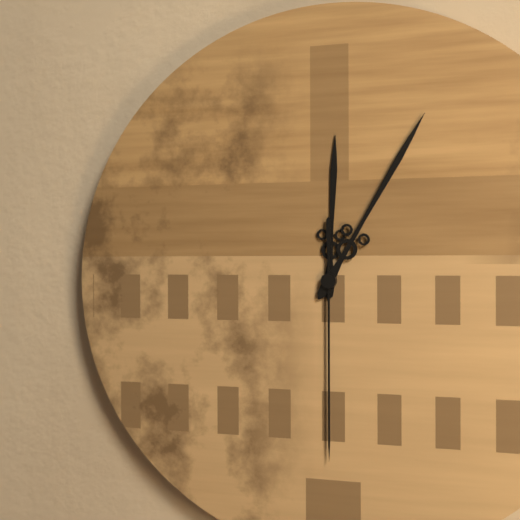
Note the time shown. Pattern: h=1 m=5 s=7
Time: h=12 m=5 s=30
